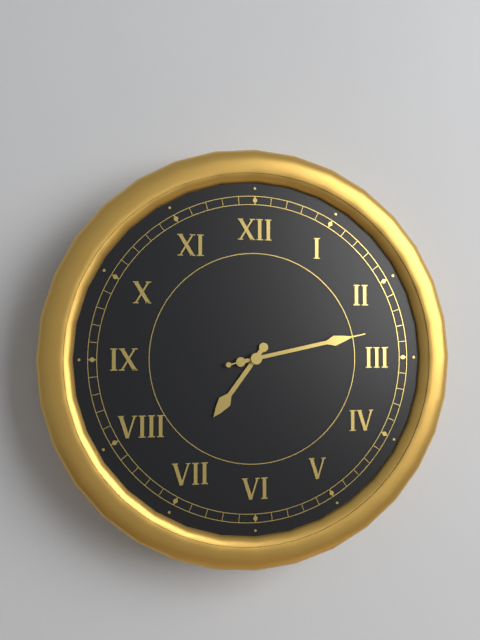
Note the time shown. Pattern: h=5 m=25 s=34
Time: h=7 m=13 s=13
